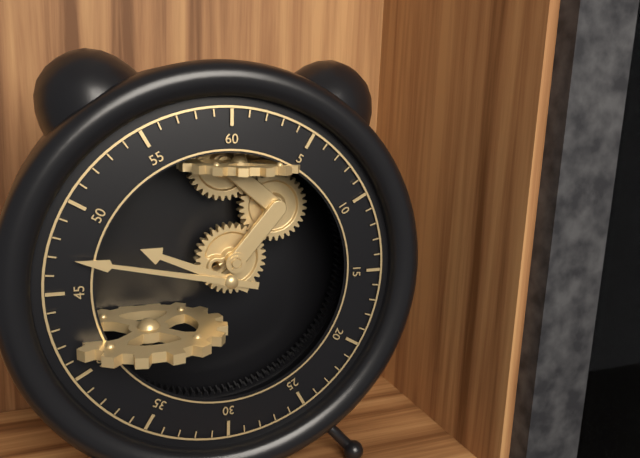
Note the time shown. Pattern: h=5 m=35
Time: h=9 m=47
